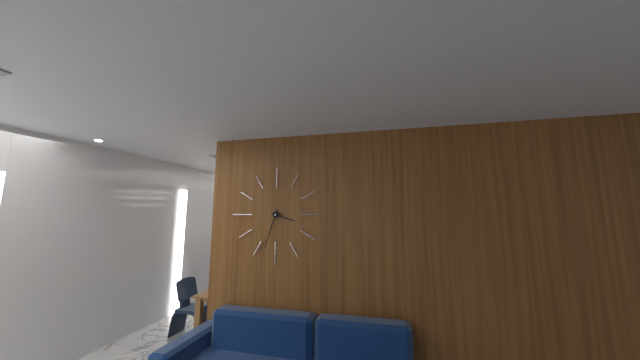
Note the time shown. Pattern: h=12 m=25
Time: h=3 m=33
